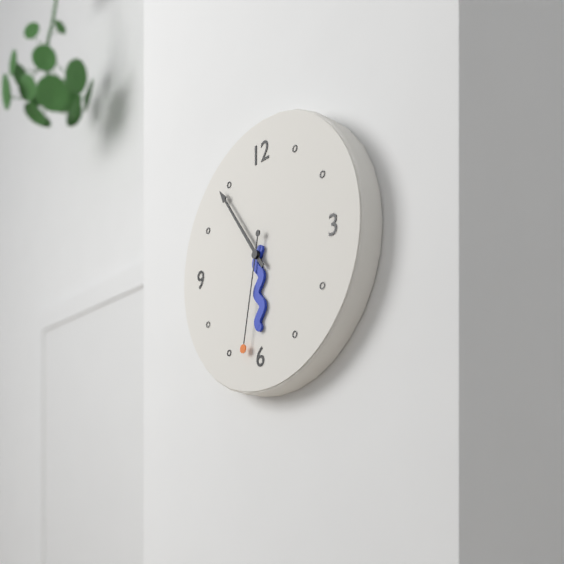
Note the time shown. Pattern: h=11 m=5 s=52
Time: h=5 m=54 s=32
